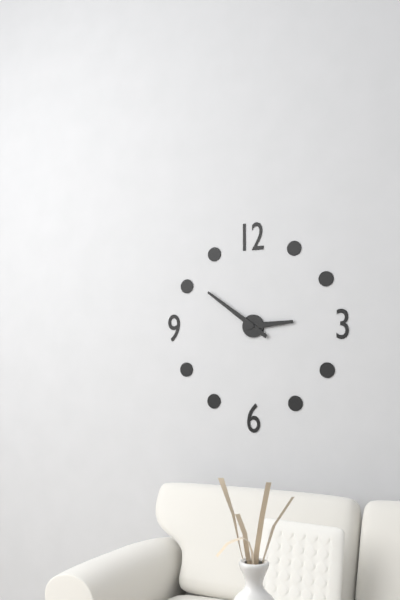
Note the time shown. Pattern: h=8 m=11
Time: h=2 m=51
